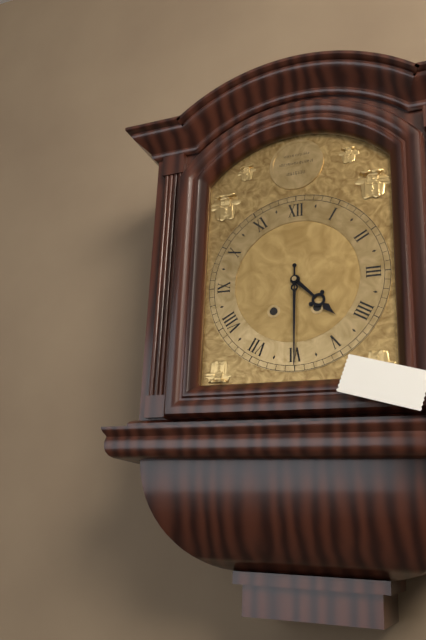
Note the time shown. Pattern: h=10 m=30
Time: h=4 m=30
